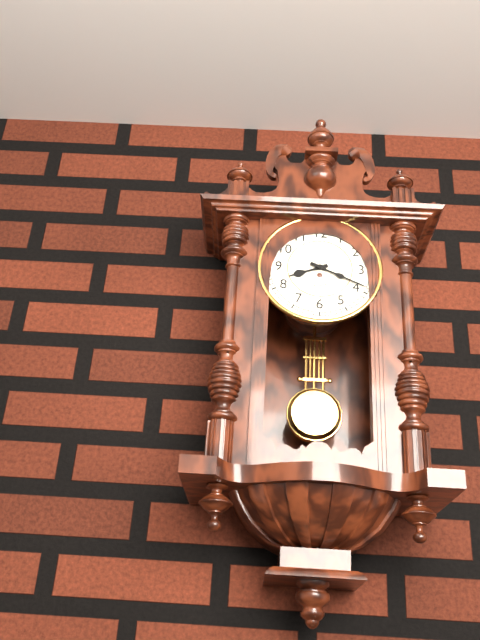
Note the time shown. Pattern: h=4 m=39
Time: h=8 m=19
